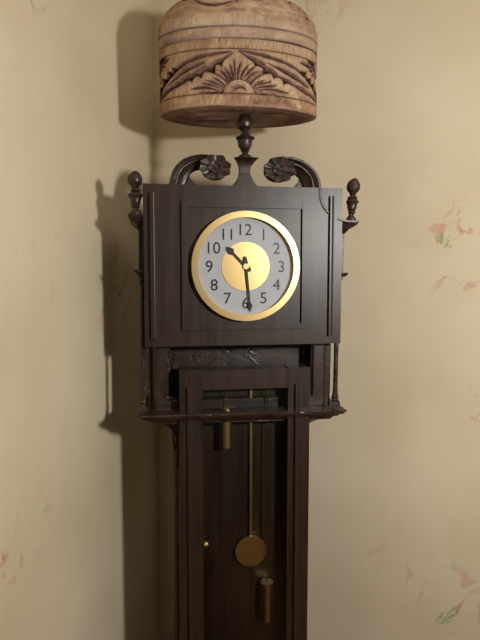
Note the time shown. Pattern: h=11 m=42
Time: h=10 m=29
